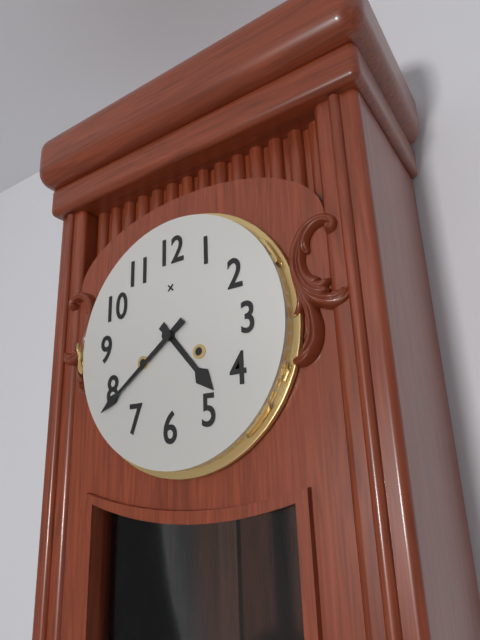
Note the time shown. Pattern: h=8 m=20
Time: h=4 m=39
